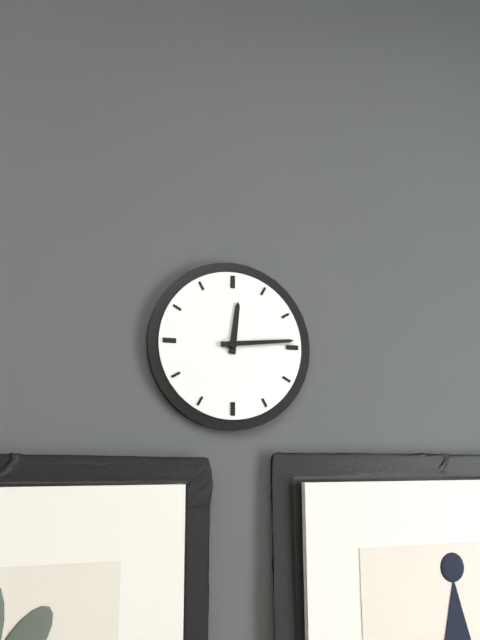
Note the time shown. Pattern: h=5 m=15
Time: h=12 m=14
